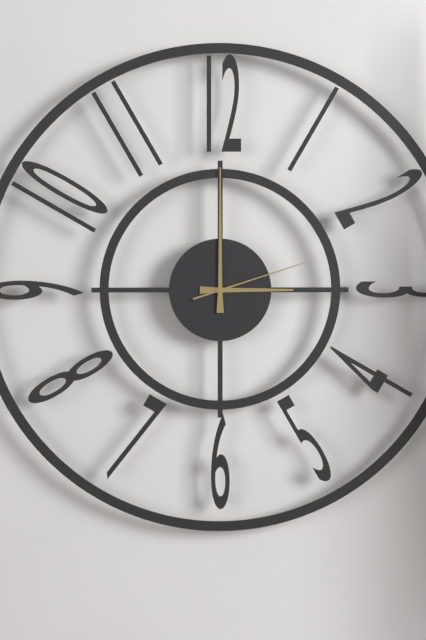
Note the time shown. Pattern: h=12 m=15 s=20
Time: h=3 m=0 s=12
